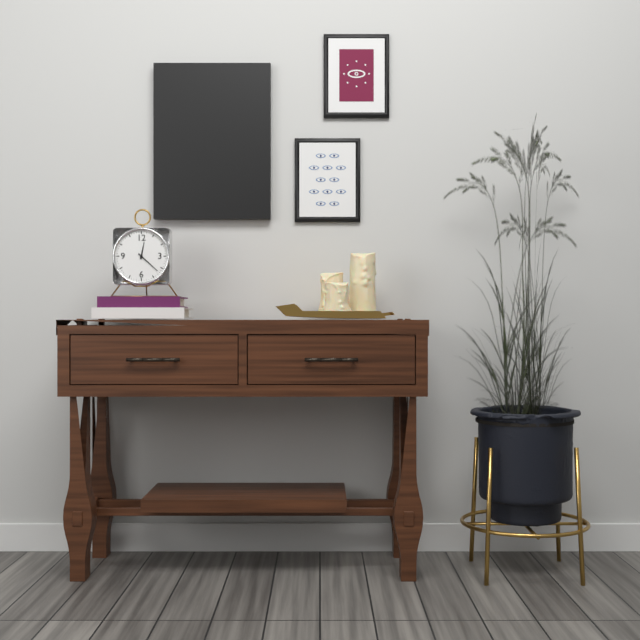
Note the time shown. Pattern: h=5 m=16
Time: h=12 m=22
